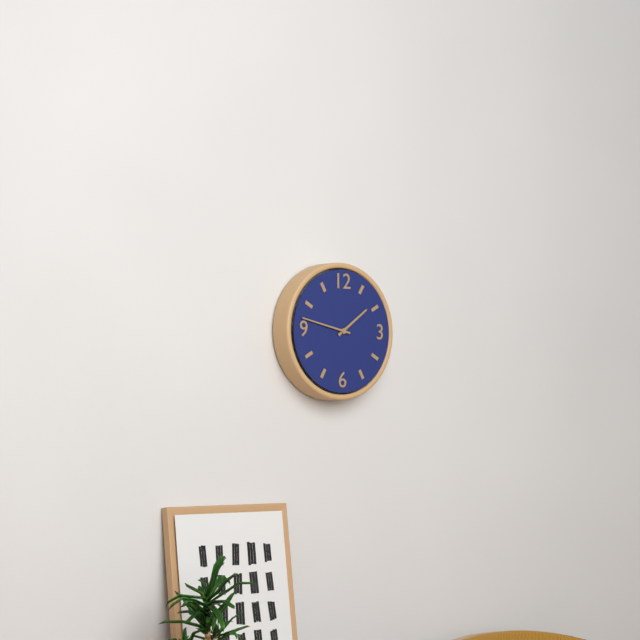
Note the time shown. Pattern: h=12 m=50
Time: h=1 m=47
